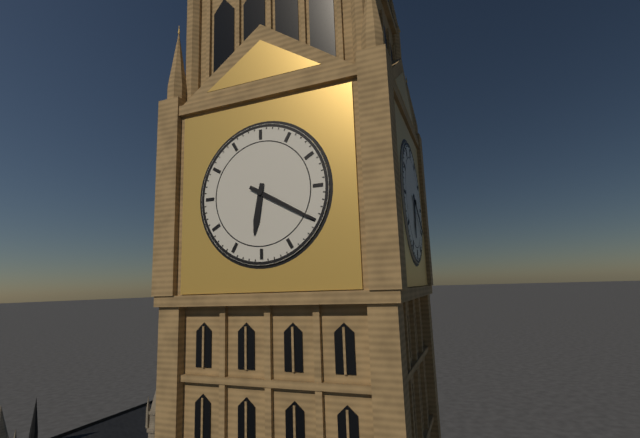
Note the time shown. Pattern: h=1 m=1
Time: h=6 m=20
